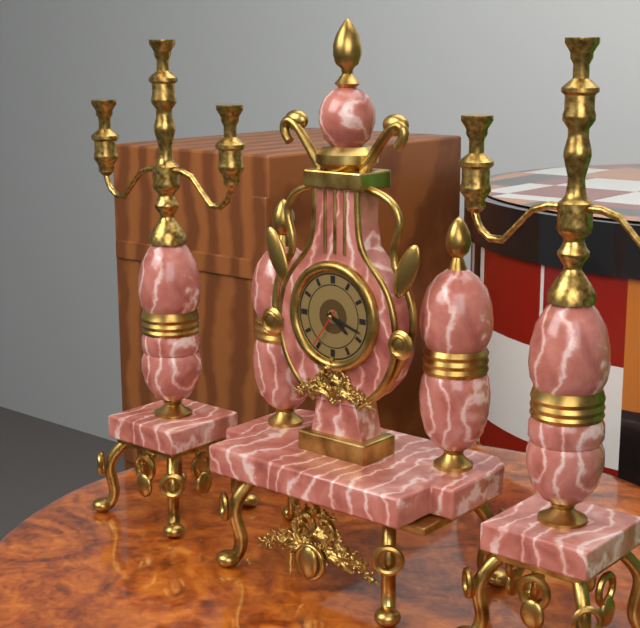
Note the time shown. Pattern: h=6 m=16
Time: h=4 m=18
